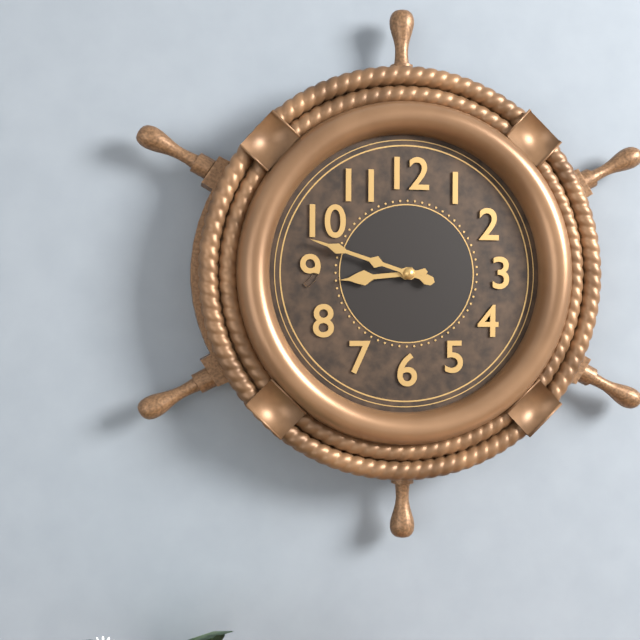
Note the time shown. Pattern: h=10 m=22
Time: h=8 m=48
